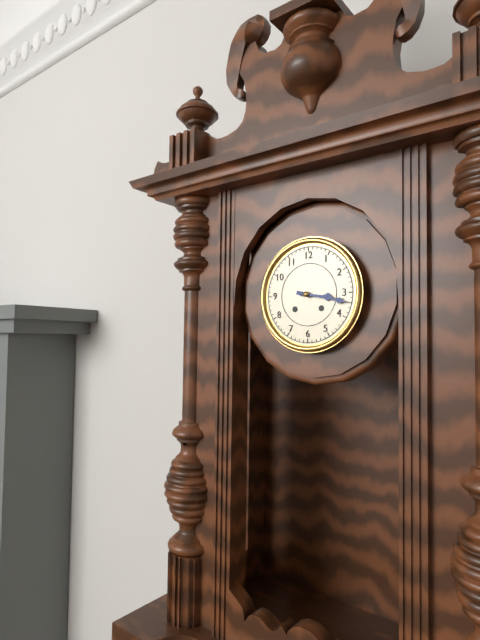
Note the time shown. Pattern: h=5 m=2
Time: h=3 m=17
